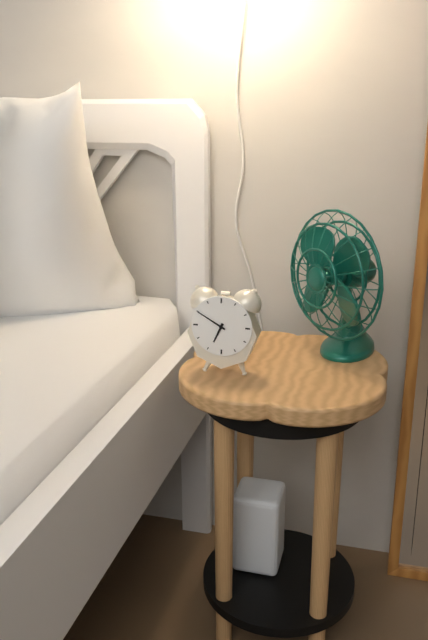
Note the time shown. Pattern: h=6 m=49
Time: h=6 m=50
